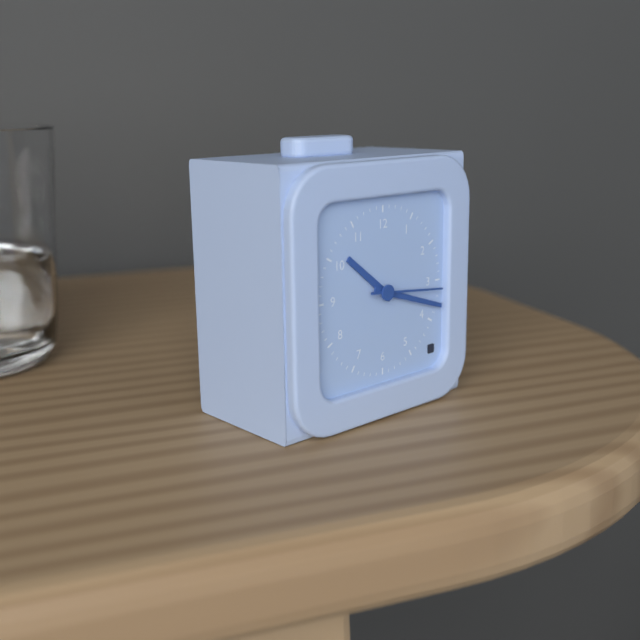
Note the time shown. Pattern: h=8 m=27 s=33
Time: h=10 m=18 s=16
